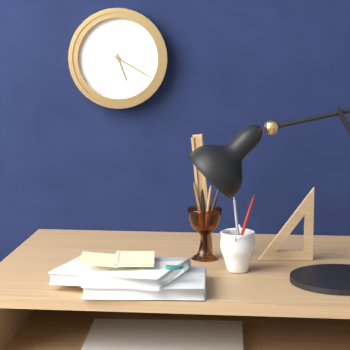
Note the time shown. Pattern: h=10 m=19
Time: h=5 m=20
